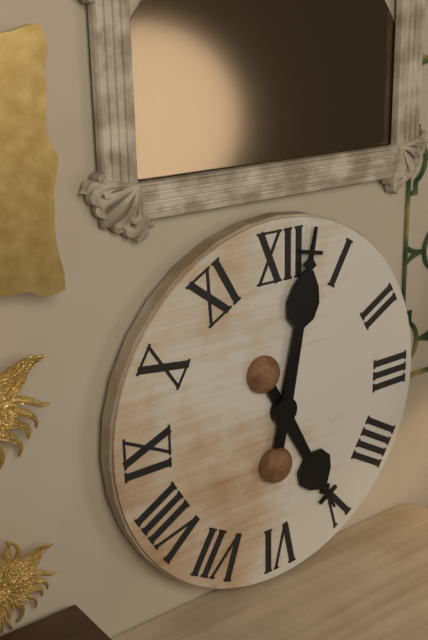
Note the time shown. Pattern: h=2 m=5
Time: h=5 m=2
